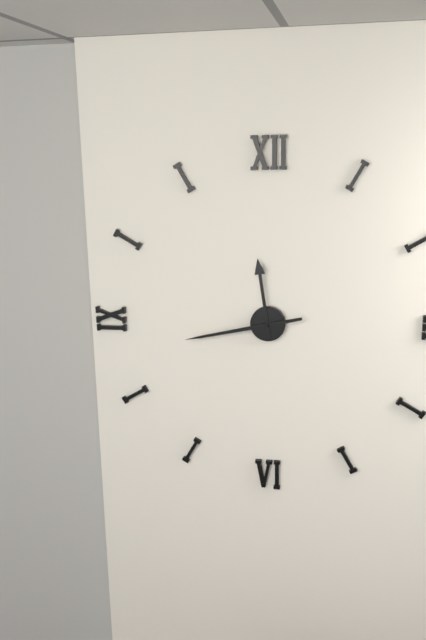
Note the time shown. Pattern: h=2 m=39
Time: h=11 m=43
